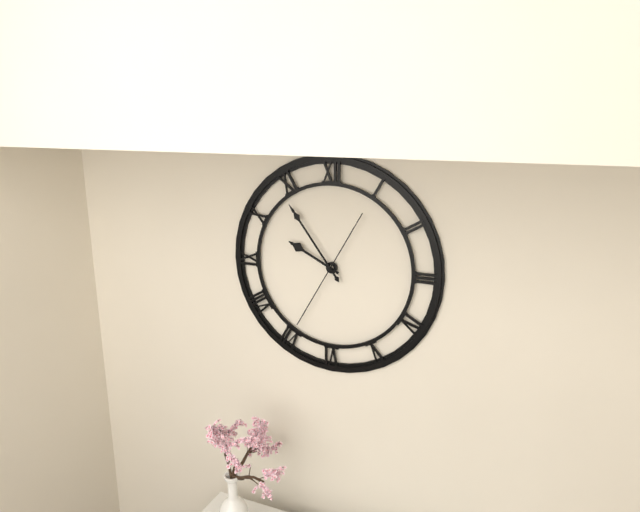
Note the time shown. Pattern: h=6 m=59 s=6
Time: h=9 m=54 s=35
